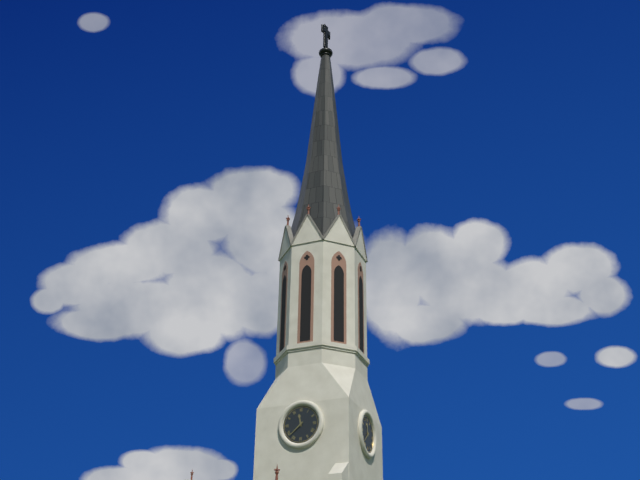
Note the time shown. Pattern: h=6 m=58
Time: h=11 m=38
